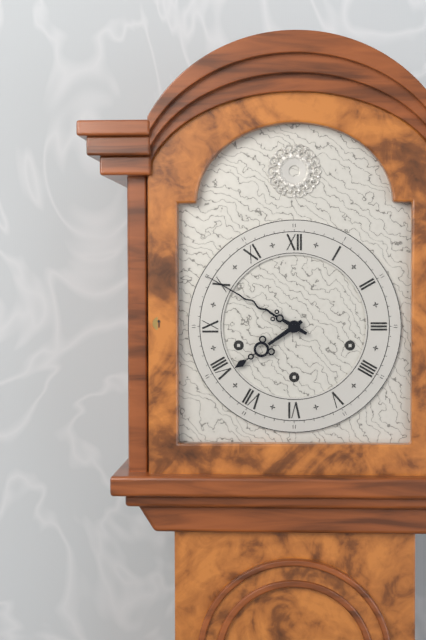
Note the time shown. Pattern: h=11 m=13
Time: h=7 m=50
